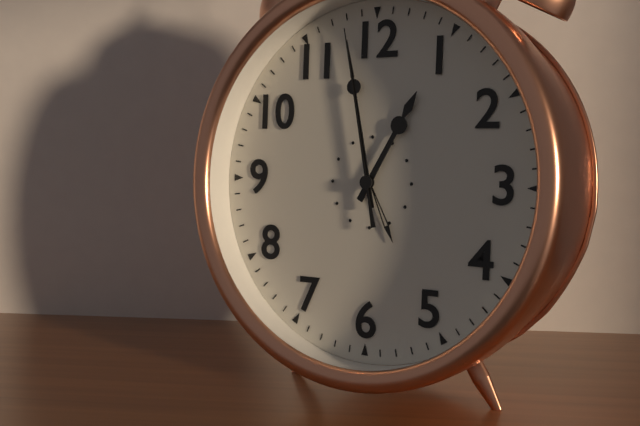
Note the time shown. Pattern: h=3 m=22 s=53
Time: h=12 m=58 s=58
